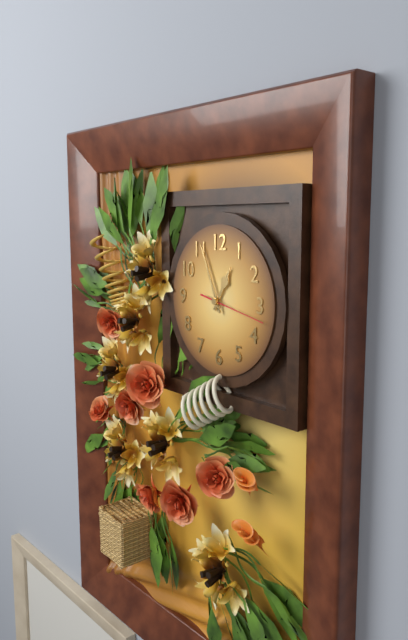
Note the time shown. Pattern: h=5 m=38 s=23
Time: h=12 m=56 s=17
